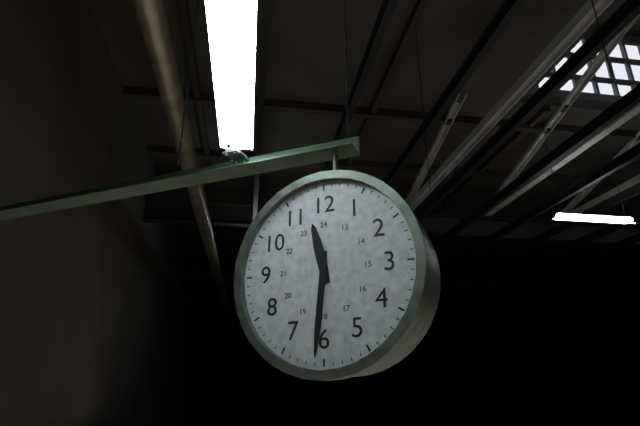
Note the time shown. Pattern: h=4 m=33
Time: h=11 m=31
